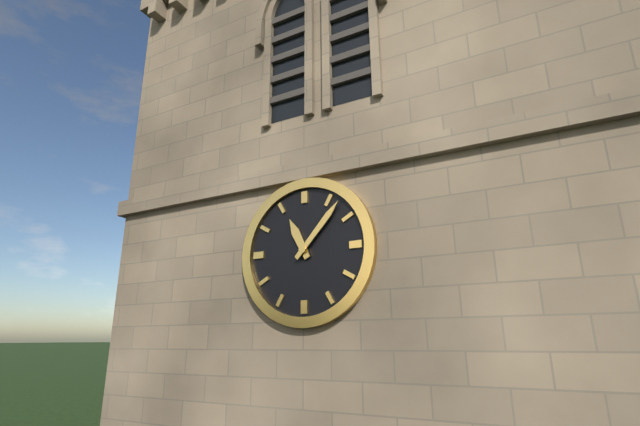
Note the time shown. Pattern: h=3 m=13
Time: h=11 m=7
